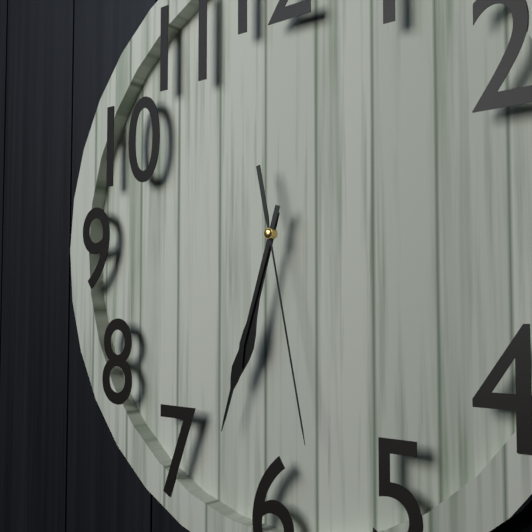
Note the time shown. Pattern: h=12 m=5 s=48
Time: h=6 m=33 s=28
